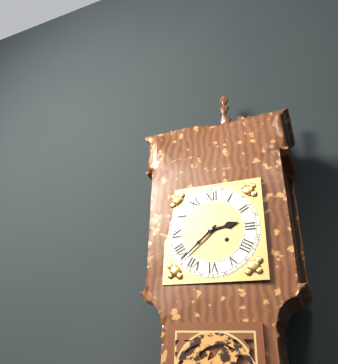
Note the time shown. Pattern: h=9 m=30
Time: h=2 m=38
